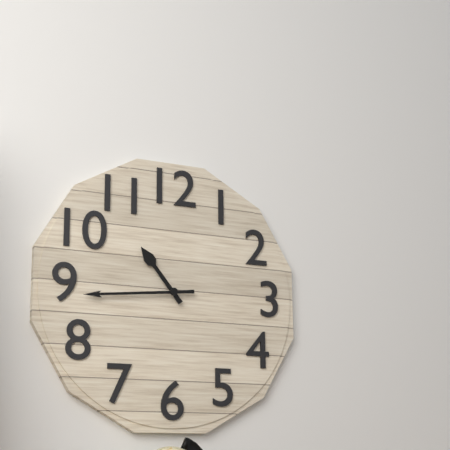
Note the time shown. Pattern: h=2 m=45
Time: h=10 m=44
